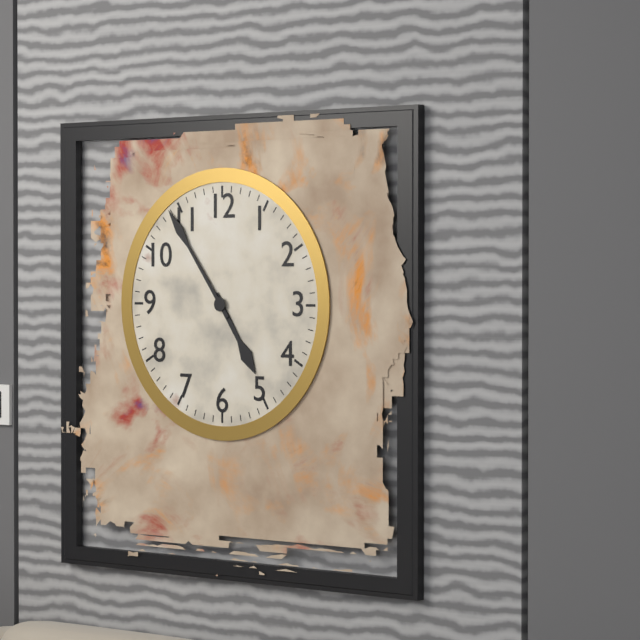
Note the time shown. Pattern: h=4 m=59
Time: h=4 m=54
